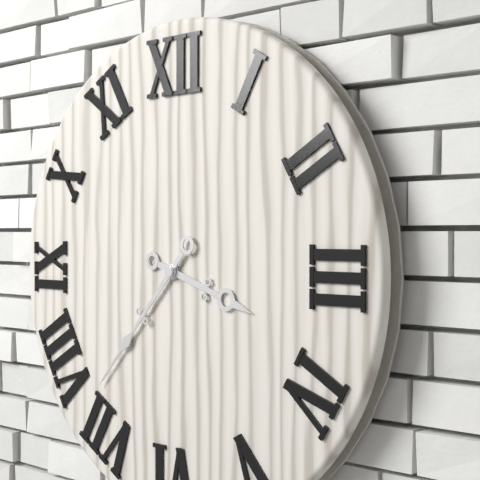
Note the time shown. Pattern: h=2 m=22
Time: h=3 m=37
